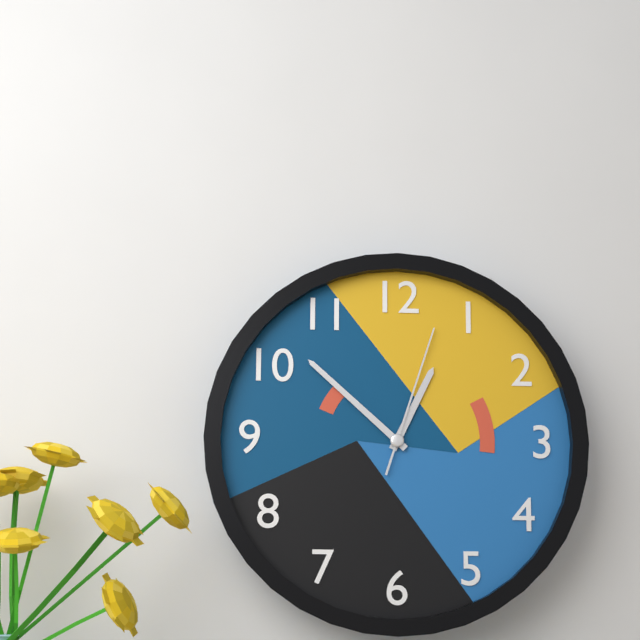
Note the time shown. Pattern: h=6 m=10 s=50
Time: h=12 m=52 s=3
